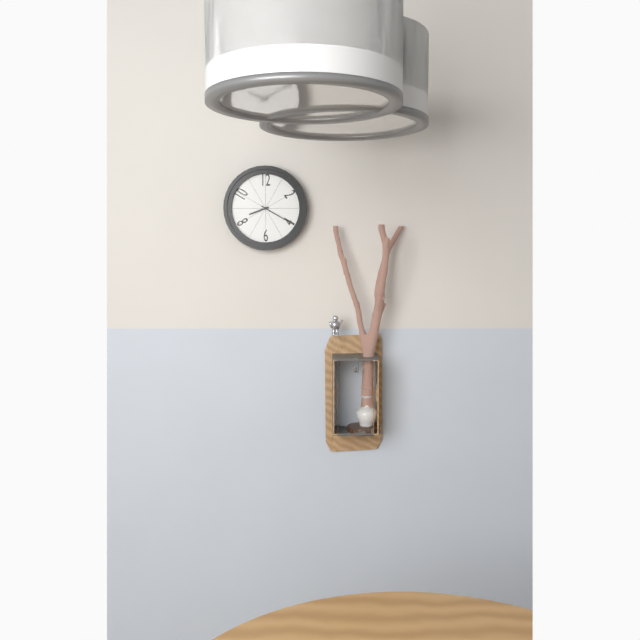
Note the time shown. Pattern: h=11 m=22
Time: h=8 m=20
